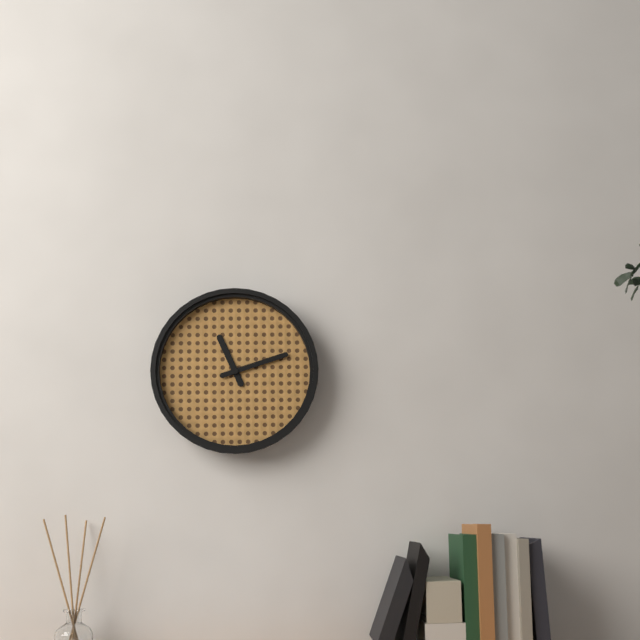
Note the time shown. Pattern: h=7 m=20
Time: h=11 m=12
